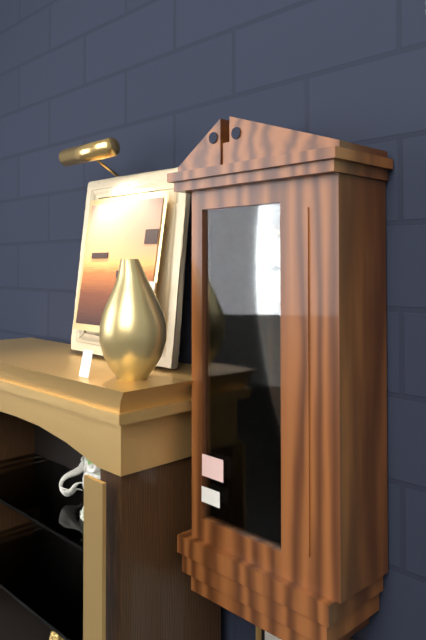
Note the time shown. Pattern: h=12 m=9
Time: h=2 m=47
